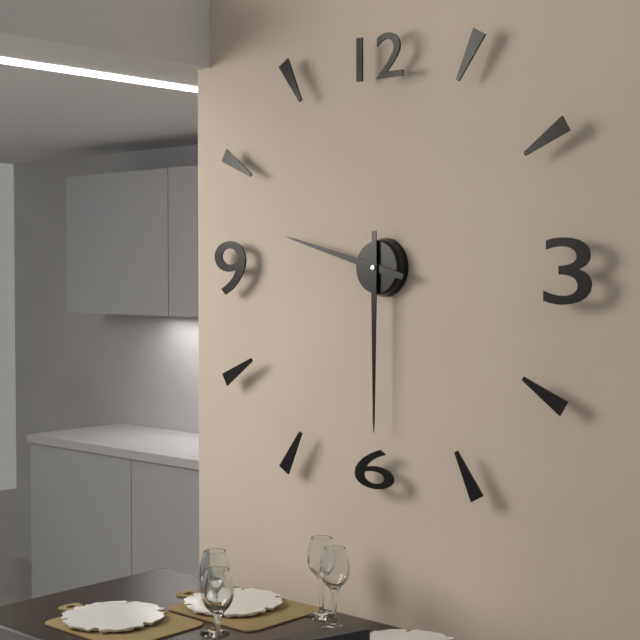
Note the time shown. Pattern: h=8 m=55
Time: h=9 m=30
